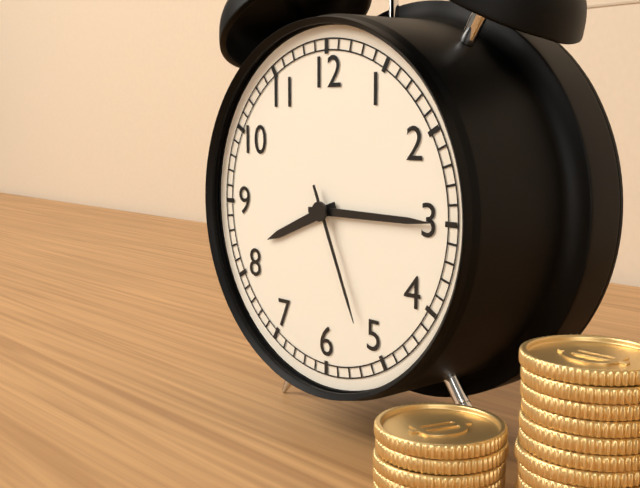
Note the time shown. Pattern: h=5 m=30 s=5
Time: h=8 m=15 s=26
